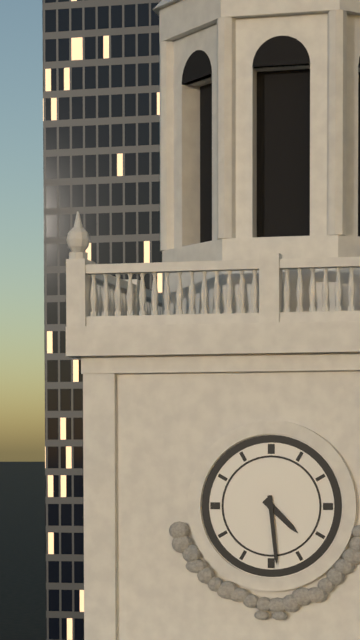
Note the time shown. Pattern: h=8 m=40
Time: h=4 m=29
